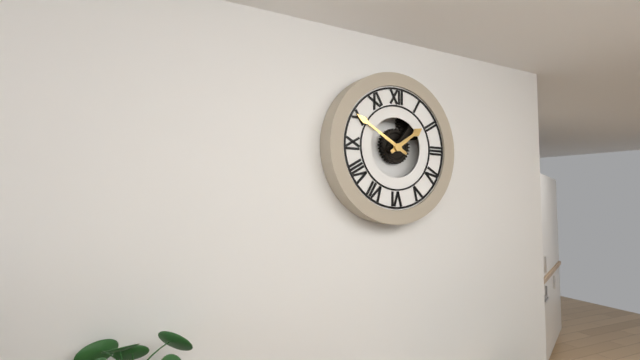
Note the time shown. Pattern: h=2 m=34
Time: h=1 m=50
